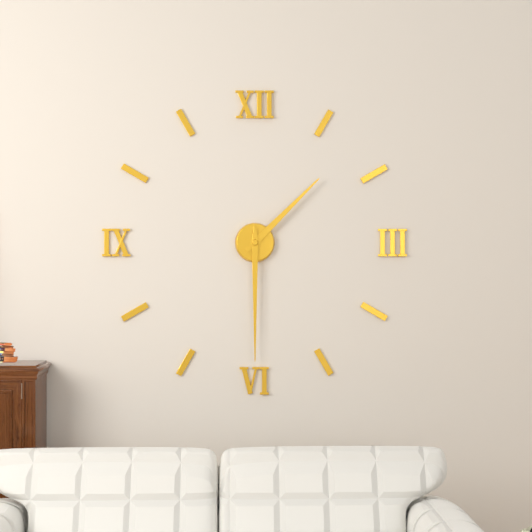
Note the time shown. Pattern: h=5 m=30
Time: h=1 m=30
